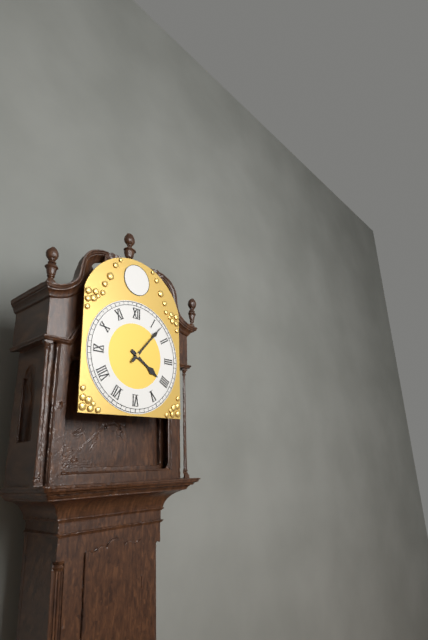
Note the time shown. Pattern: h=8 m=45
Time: h=4 m=7
